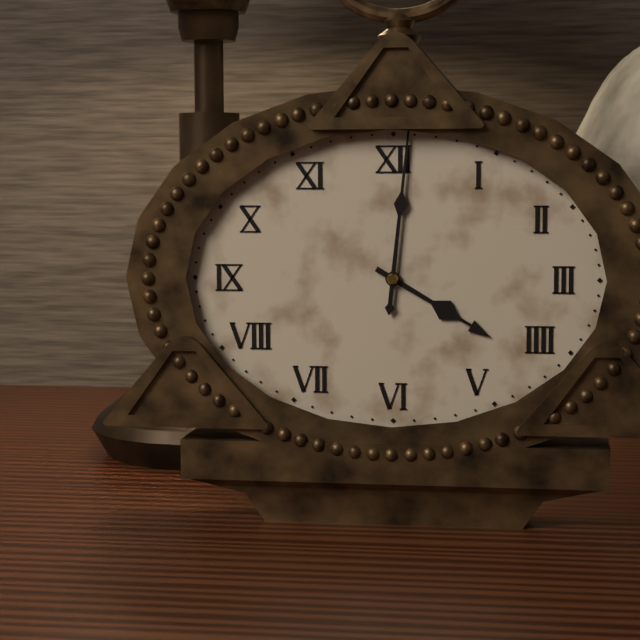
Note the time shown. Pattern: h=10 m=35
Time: h=4 m=1
